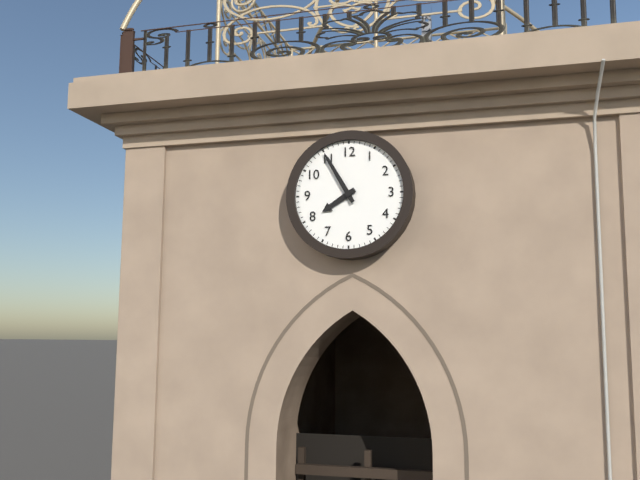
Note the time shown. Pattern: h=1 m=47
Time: h=7 m=55
